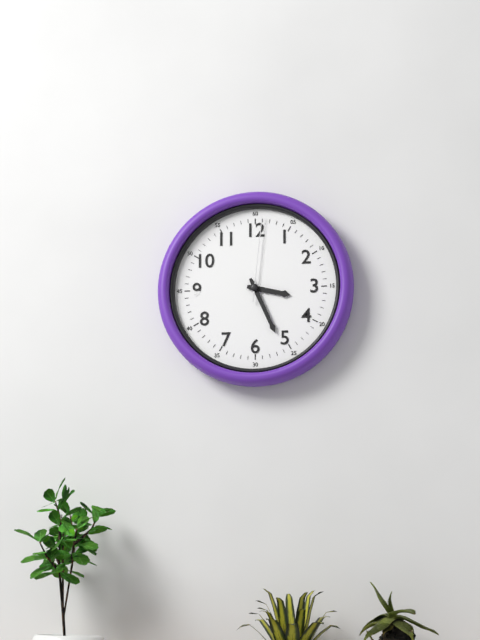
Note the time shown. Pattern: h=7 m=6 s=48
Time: h=3 m=26 s=1
